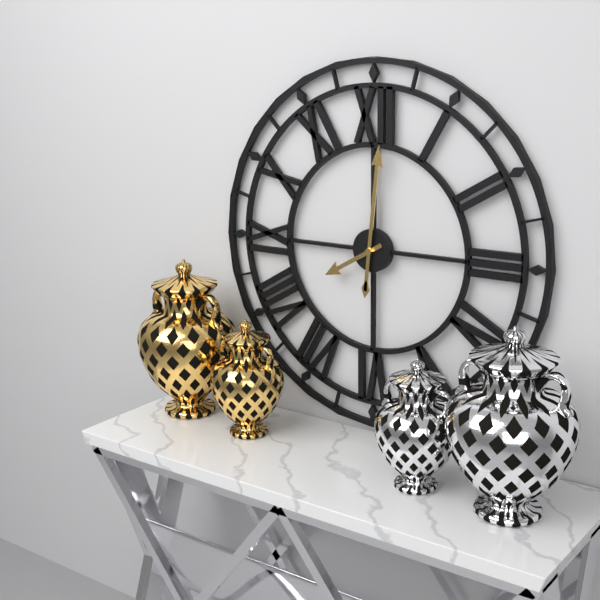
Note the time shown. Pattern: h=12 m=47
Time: h=8 m=1
